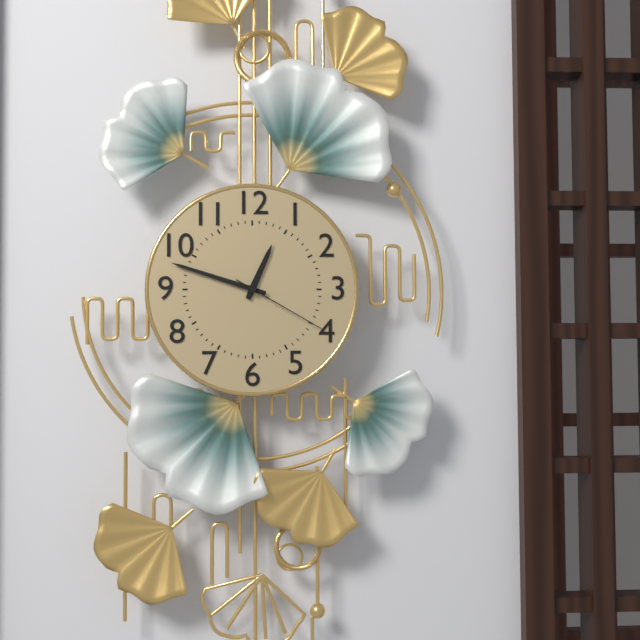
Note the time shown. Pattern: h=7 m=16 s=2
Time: h=12 m=48 s=20
